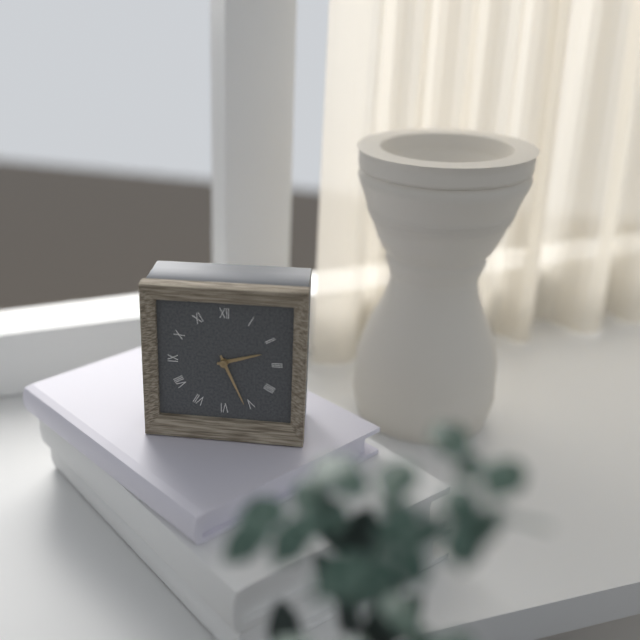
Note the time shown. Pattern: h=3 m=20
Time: h=2 m=26
